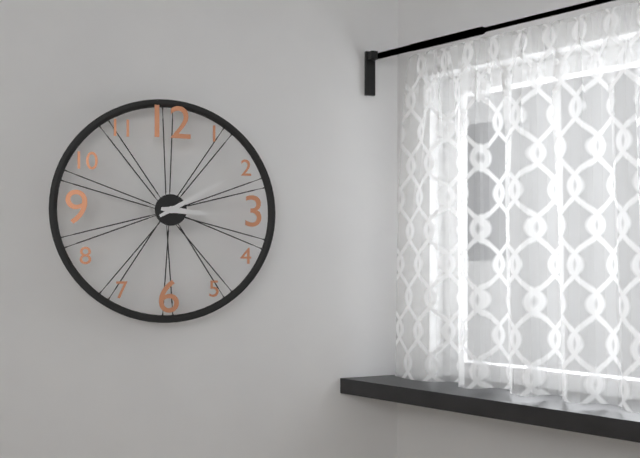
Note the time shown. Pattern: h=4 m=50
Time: h=3 m=10
